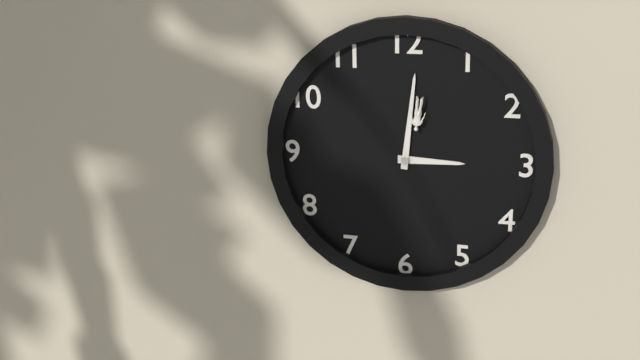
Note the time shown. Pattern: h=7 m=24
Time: h=3 m=1
